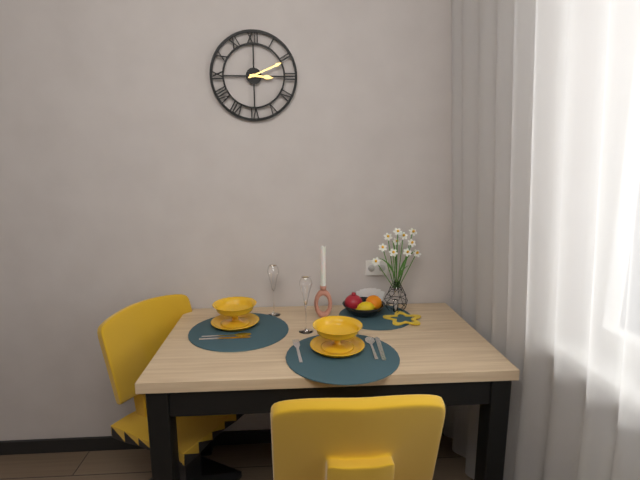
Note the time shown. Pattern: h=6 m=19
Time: h=3 m=11
